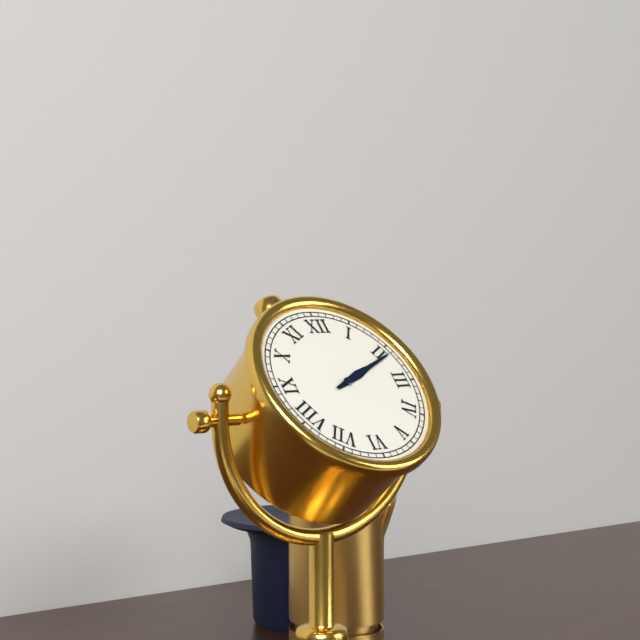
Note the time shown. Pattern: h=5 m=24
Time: h=2 m=11
